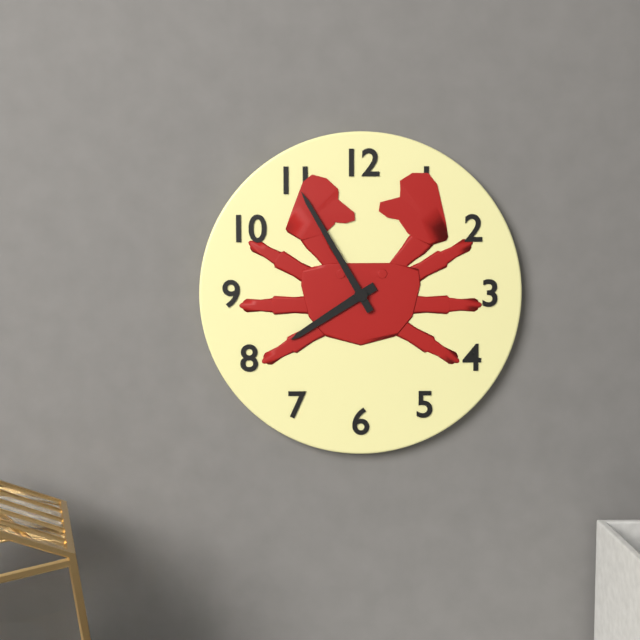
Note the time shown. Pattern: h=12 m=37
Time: h=7 m=55
